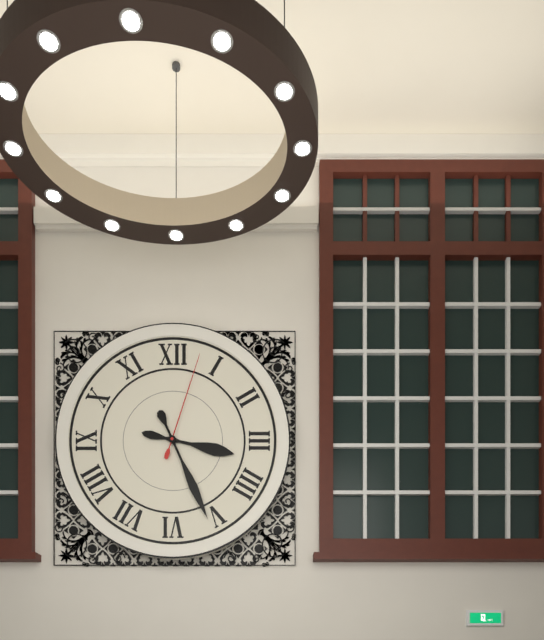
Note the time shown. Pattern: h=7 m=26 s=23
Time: h=3 m=26 s=3
